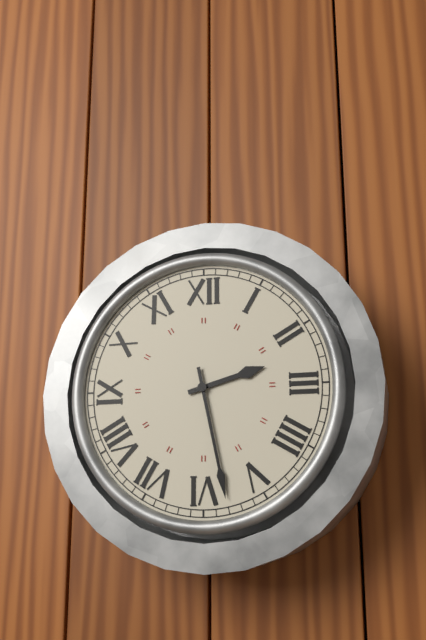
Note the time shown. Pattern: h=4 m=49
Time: h=2 m=28
